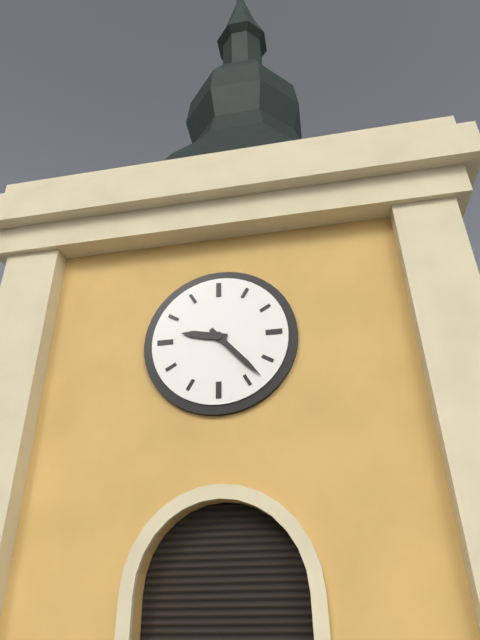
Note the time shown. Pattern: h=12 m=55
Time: h=9 m=23
